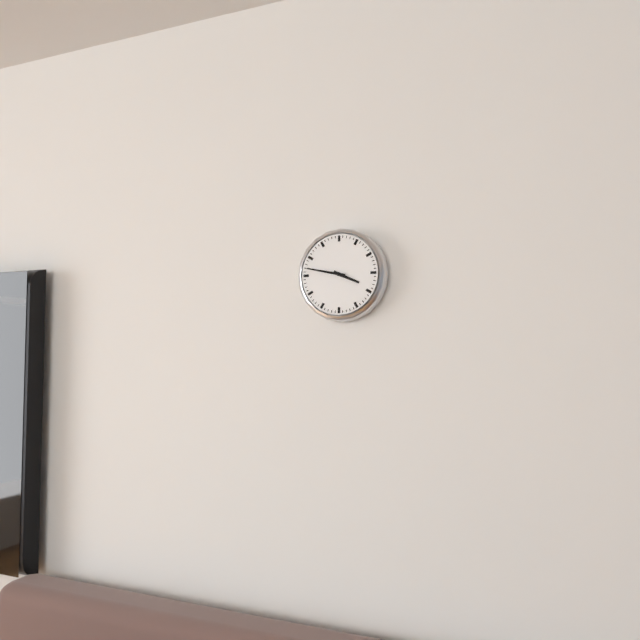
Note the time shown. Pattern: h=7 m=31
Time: h=3 m=47
